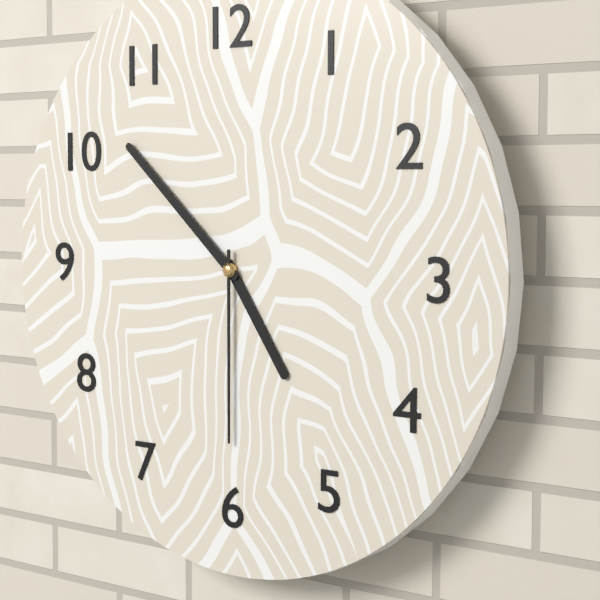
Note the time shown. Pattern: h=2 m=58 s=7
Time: h=4 m=52 s=30
